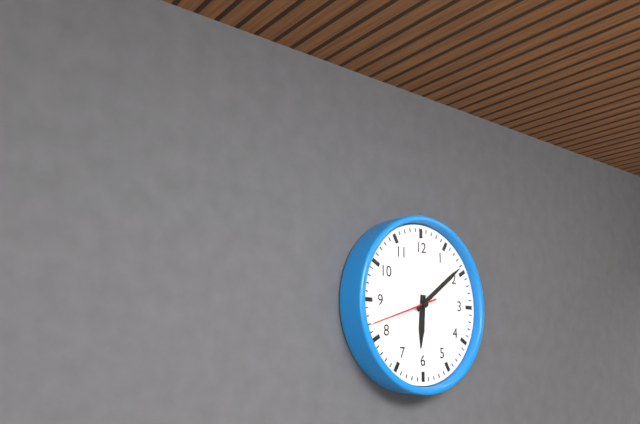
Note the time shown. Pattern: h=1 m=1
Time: h=6 m=9
